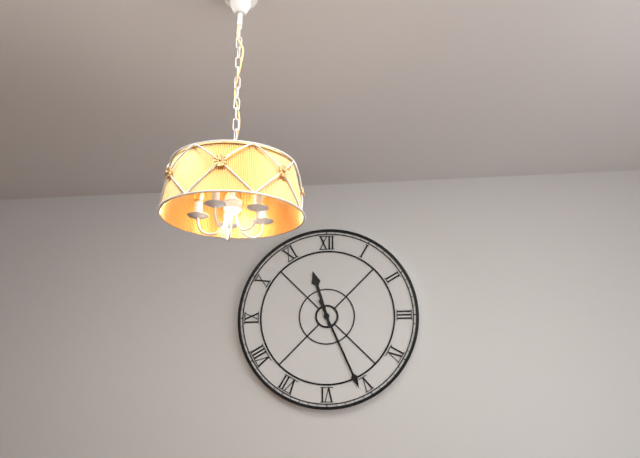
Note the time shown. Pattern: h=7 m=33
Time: h=11 m=26
